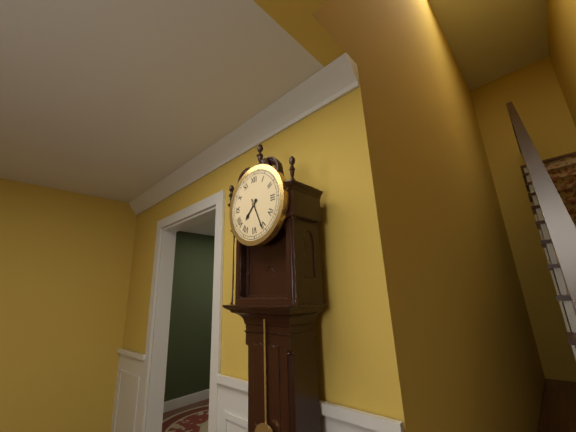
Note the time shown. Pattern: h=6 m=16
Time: h=7 m=26
